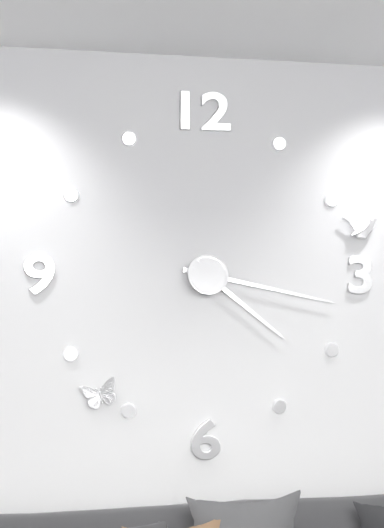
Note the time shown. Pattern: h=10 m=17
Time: h=4 m=17
